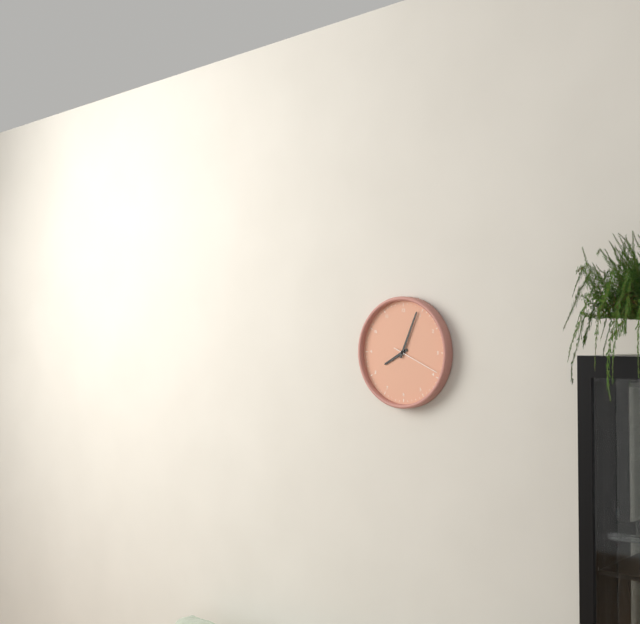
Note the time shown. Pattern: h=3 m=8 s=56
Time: h=8 m=4 s=19
